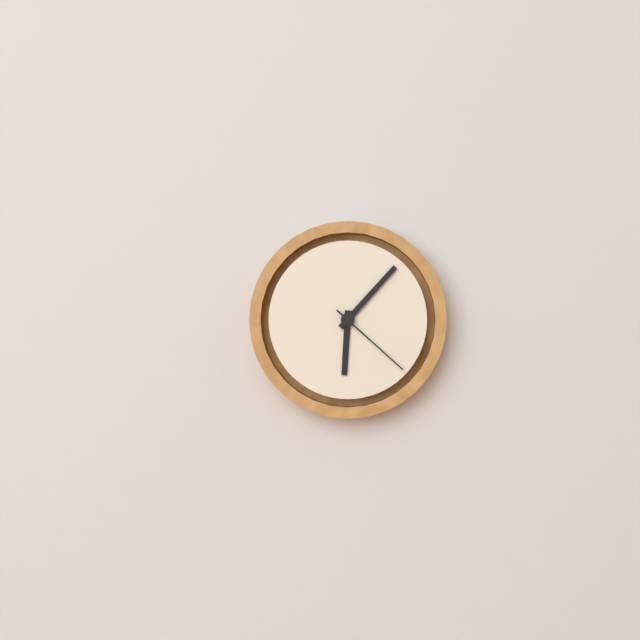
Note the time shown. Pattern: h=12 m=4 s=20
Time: h=6 m=7 s=22
